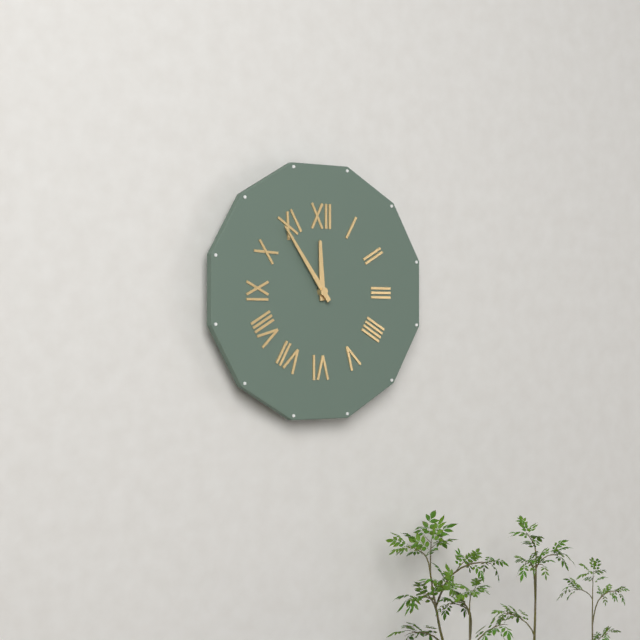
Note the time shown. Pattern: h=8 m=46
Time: h=11 m=54
